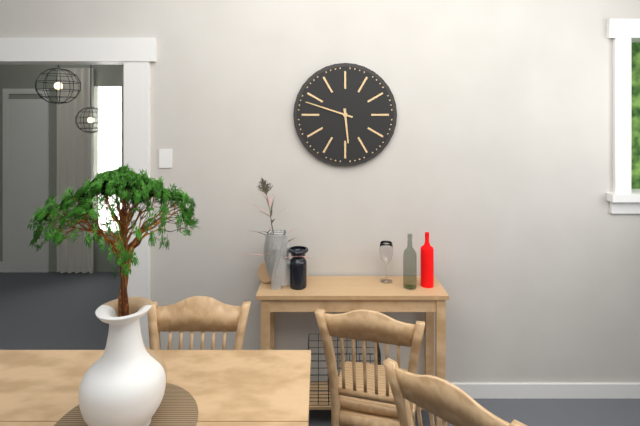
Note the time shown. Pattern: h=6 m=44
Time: h=5 m=48
